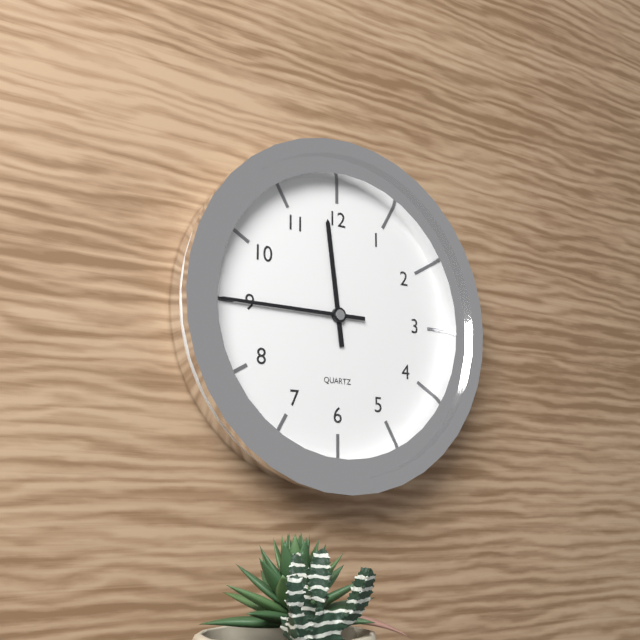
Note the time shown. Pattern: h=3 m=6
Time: h=11 m=45
